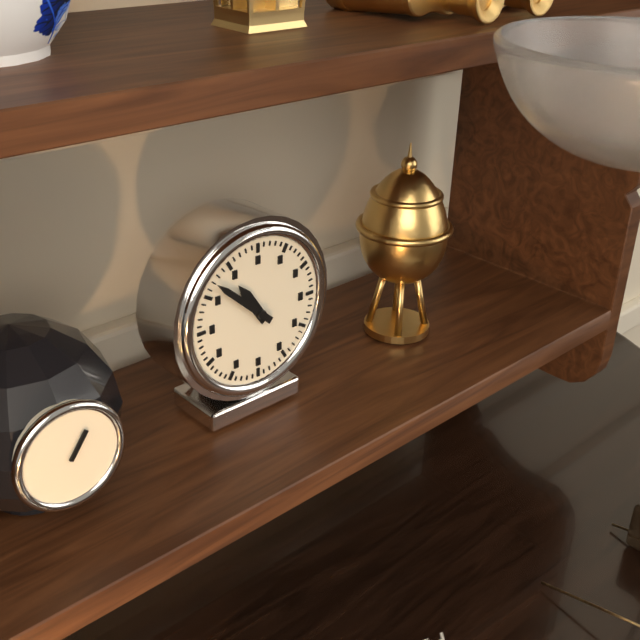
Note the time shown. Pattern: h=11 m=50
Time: h=10 m=52
